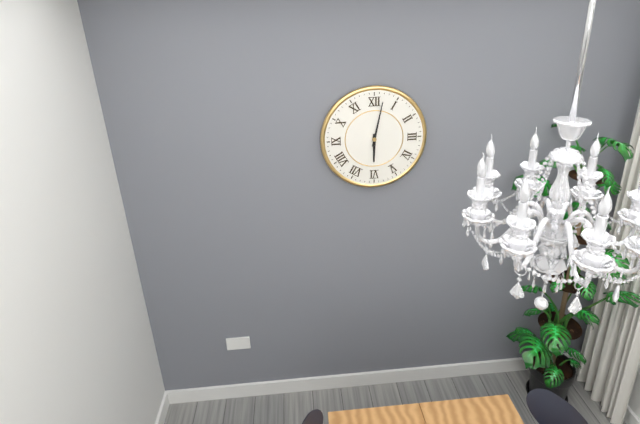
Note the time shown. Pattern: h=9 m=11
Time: h=6 m=2
